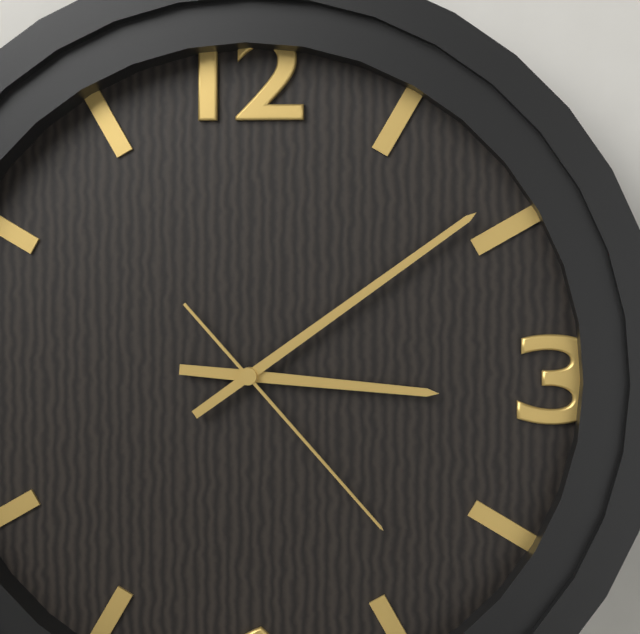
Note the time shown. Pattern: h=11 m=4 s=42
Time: h=3 m=9 s=23
